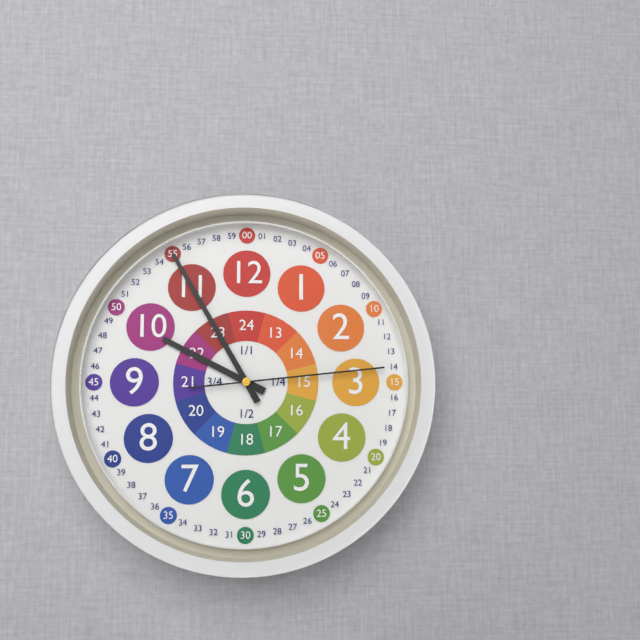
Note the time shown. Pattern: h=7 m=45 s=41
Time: h=9 m=55 s=14
